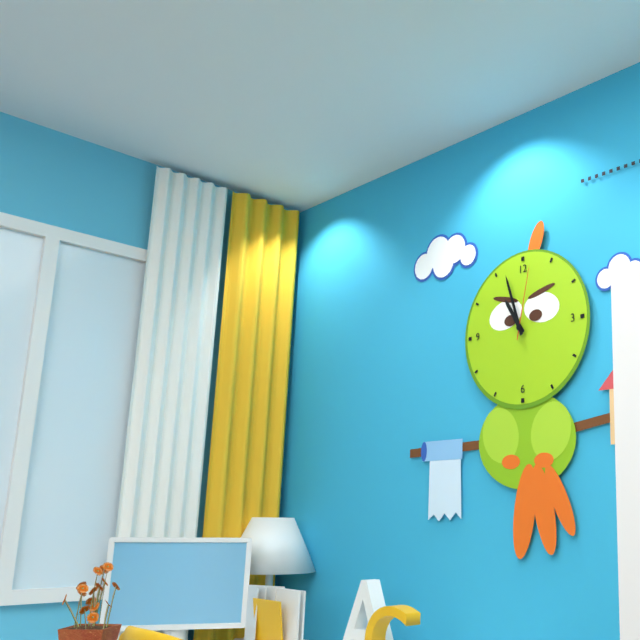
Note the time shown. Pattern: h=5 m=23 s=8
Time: h=10 m=57 s=2
